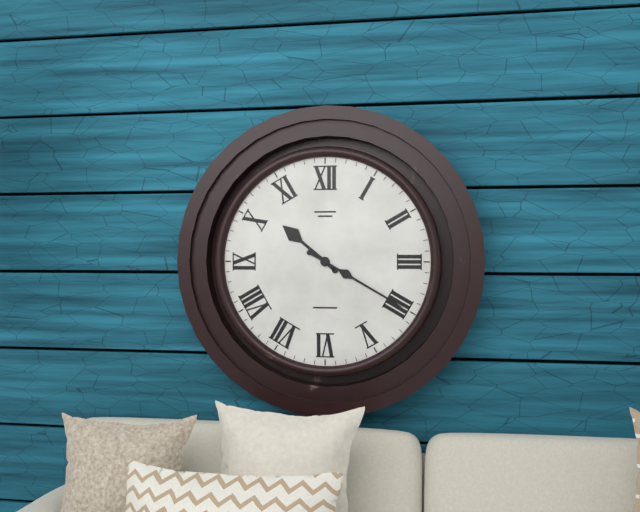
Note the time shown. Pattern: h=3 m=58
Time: h=10 m=20
